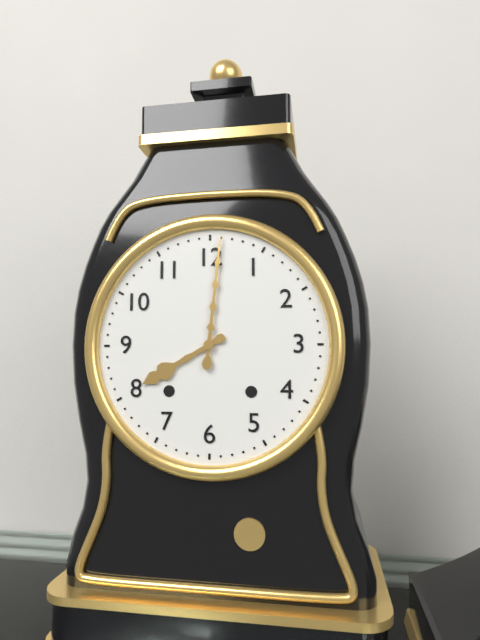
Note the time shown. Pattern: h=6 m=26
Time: h=8 m=1
